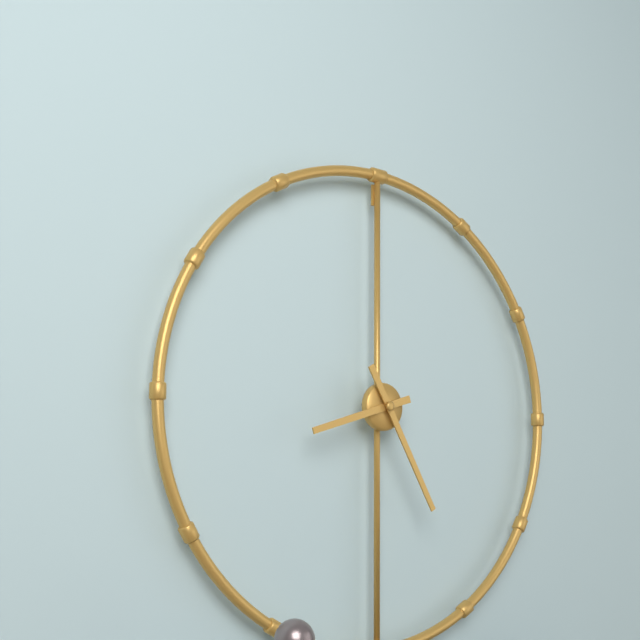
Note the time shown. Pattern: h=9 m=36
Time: h=8 m=25
